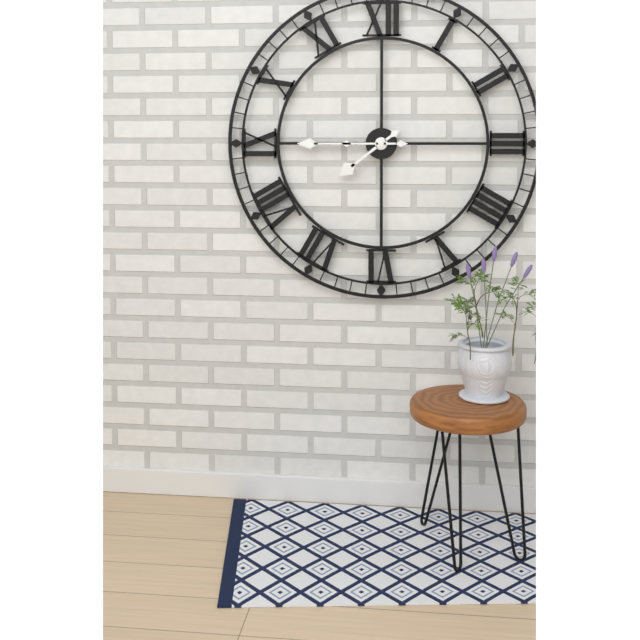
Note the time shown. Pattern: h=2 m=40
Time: h=7 m=45
